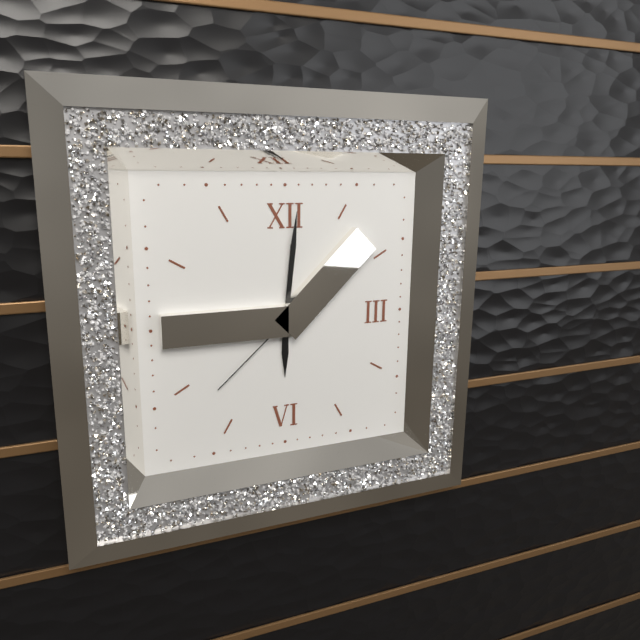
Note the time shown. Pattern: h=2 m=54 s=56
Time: h=6 m=1 s=38
